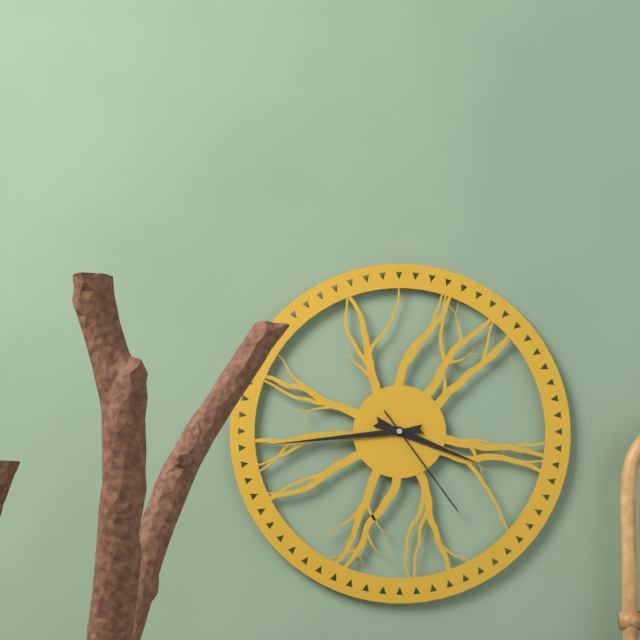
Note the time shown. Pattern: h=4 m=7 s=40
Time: h=3 m=44 s=24
